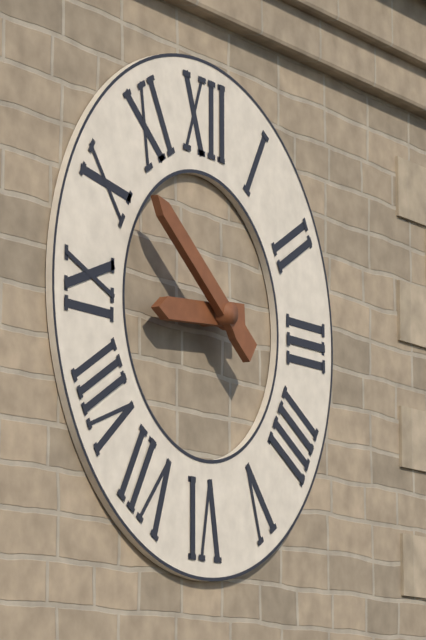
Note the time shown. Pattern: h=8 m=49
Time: h=8 m=51
